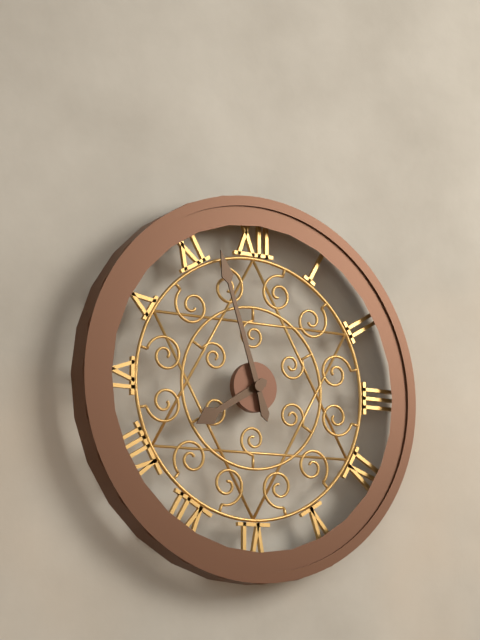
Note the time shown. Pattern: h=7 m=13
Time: h=7 m=57
